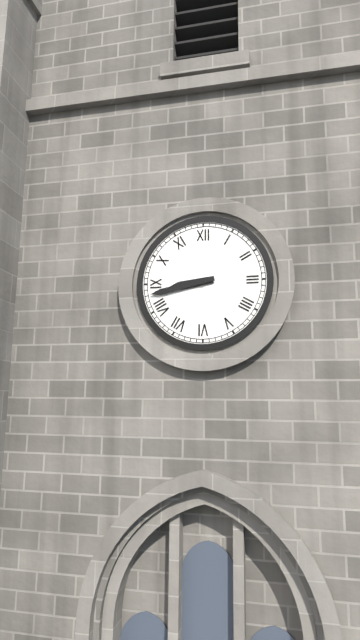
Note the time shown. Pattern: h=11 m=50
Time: h=8 m=43
